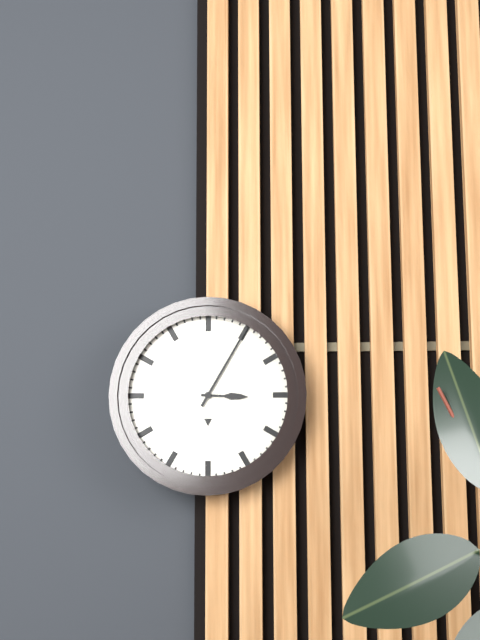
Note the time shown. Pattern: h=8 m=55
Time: h=3 m=5
